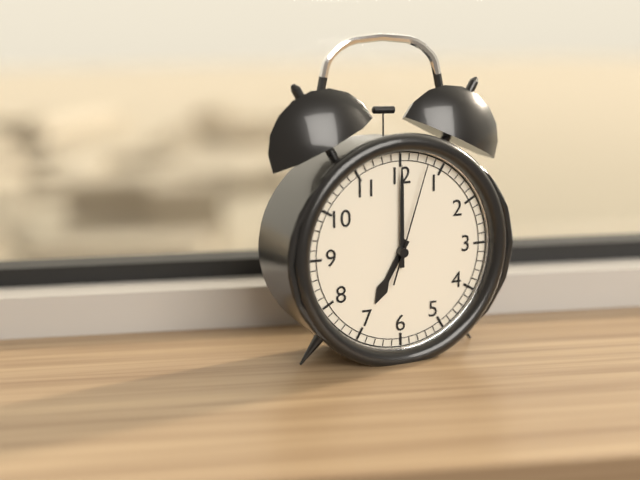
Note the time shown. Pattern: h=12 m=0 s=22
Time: h=7 m=0 s=3
